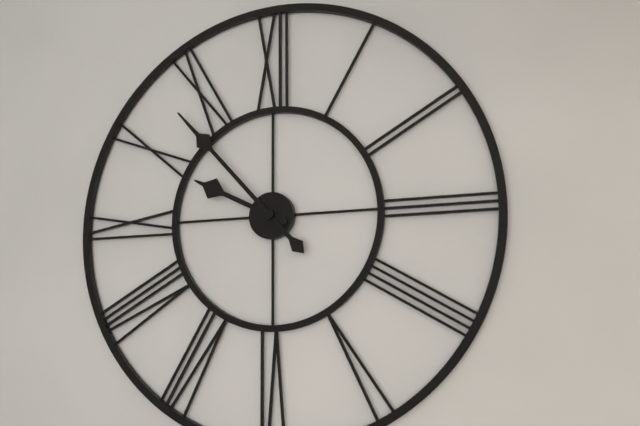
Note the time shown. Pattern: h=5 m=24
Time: h=9 m=53
